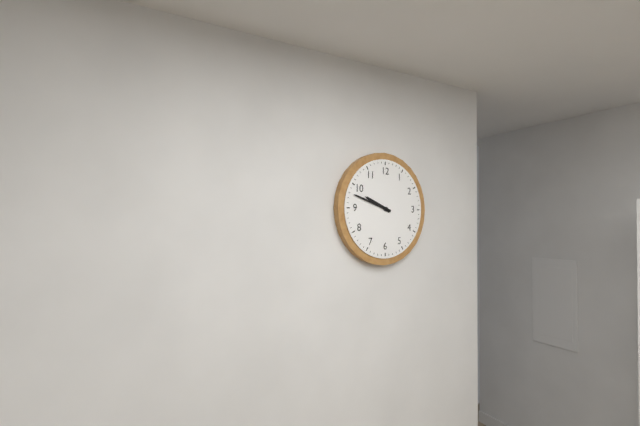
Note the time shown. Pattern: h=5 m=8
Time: h=9 m=48
